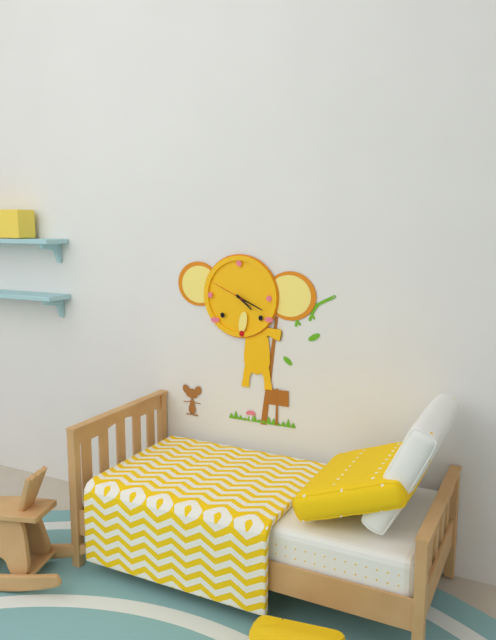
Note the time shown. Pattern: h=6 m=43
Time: h=4 m=19
